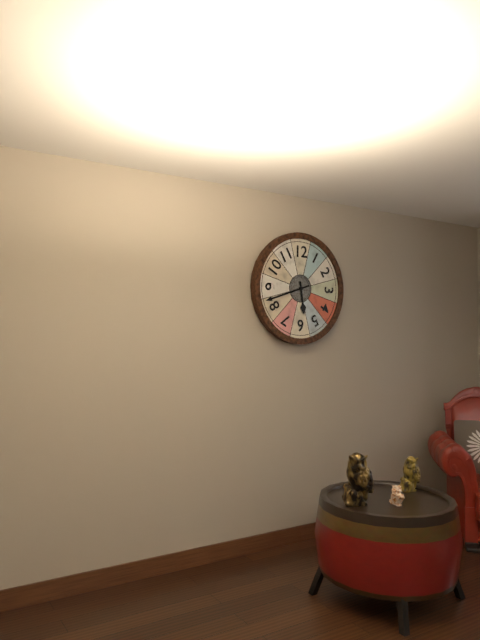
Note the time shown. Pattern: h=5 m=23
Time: h=5 m=42
